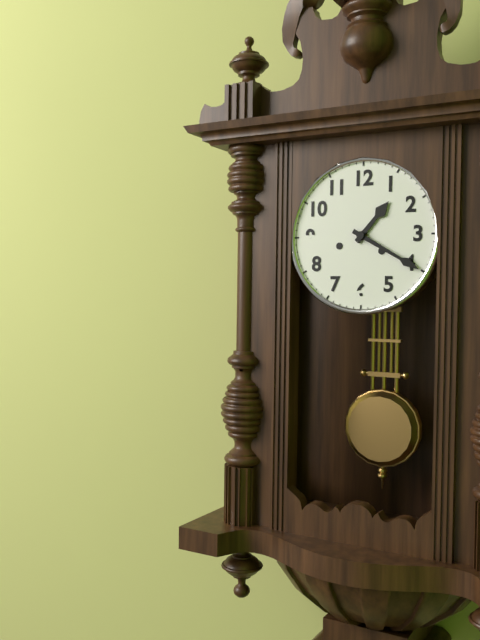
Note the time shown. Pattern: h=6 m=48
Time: h=1 m=20
